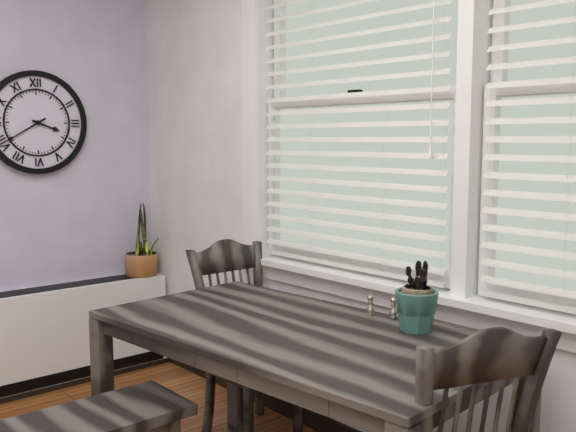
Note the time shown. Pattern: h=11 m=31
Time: h=3 m=40
